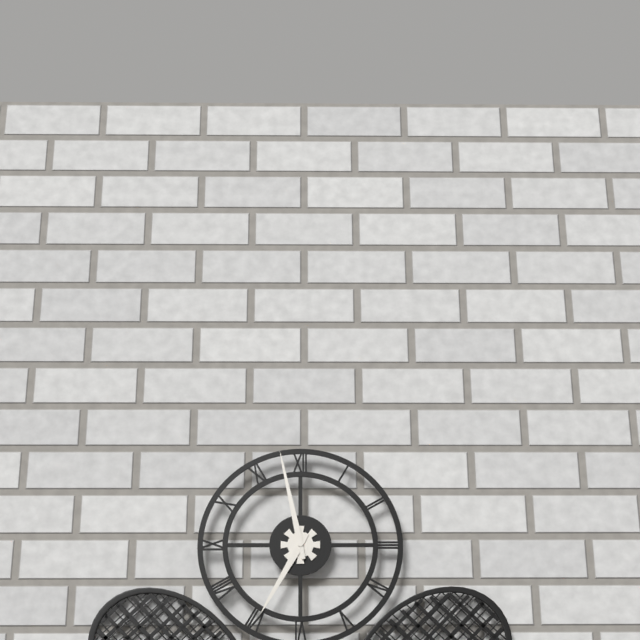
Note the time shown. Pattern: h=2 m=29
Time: h=6 m=58
